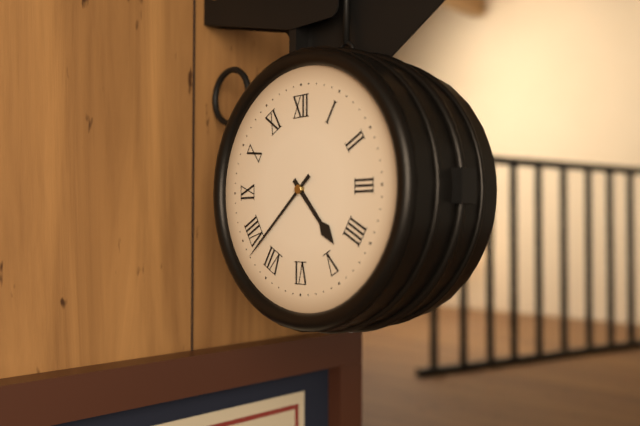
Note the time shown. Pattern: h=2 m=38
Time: h=4 m=38
